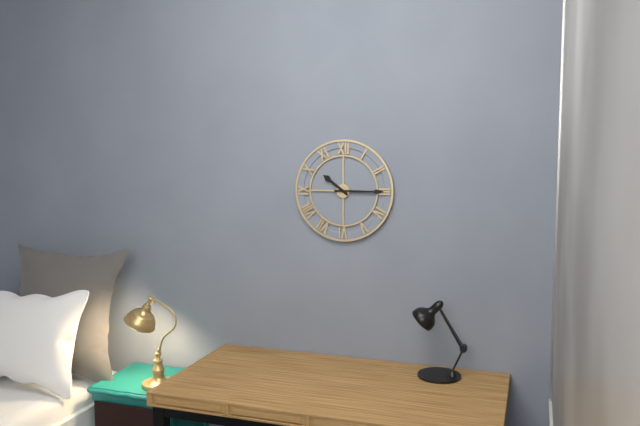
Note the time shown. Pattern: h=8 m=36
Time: h=10 m=15
